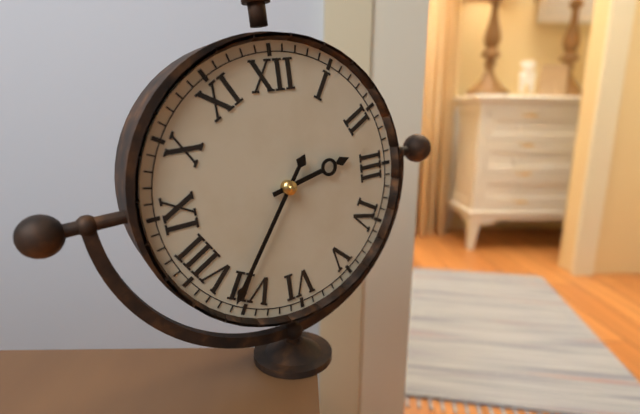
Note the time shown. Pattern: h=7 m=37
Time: h=2 m=36
